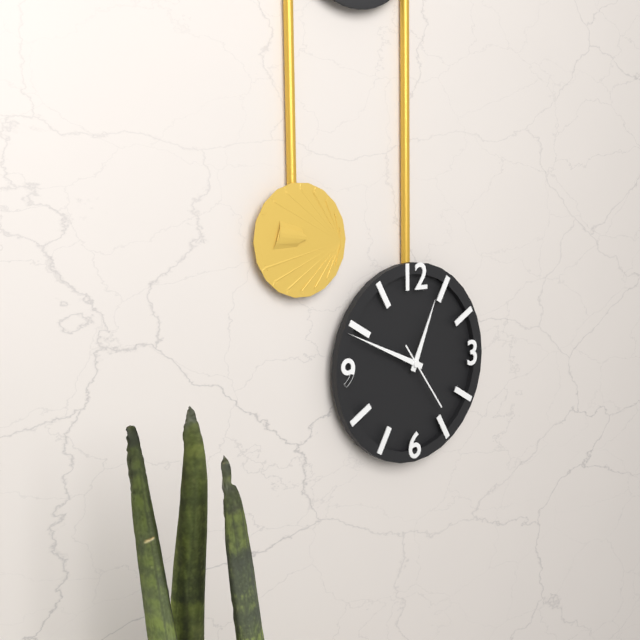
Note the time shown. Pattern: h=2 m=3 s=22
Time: h=12 m=49 s=24
